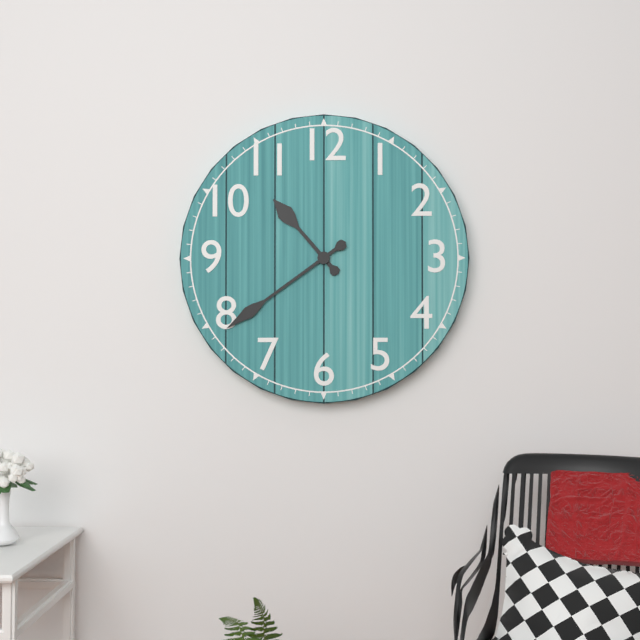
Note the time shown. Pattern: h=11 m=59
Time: h=10 m=39
